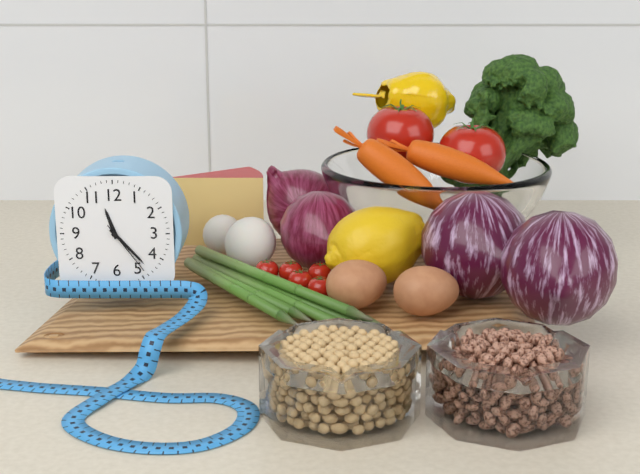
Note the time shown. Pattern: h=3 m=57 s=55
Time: h=11 m=23 s=24
